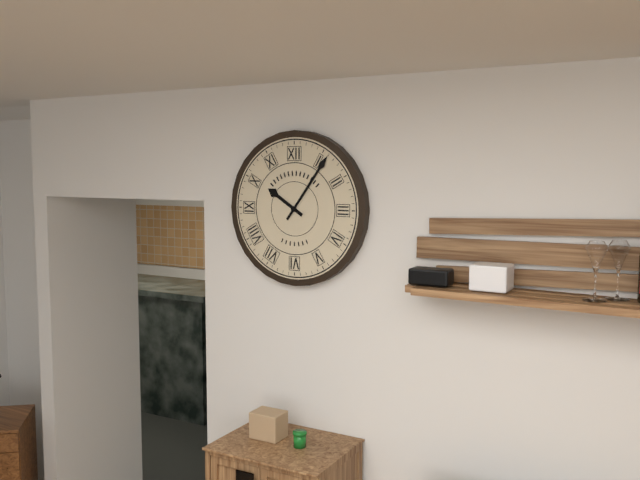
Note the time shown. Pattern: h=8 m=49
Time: h=10 m=6
